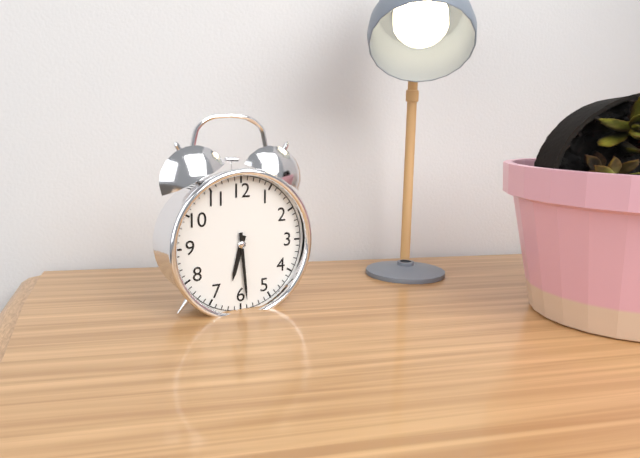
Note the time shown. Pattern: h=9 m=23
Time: h=6 m=29
